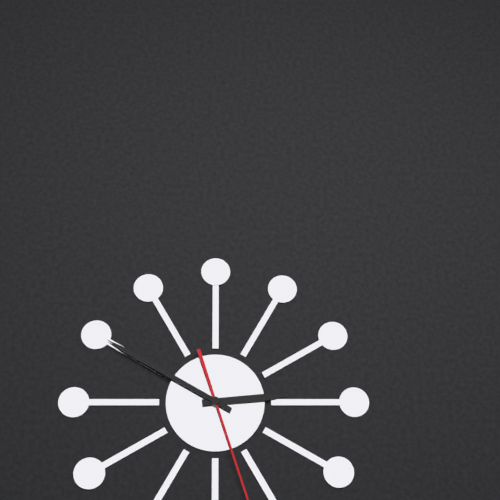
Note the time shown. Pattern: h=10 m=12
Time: h=2 m=50
